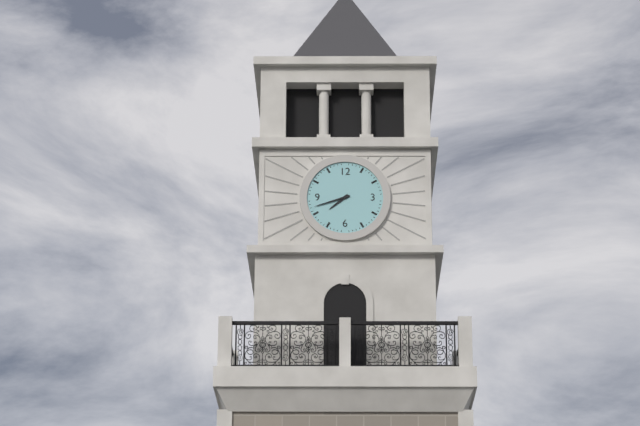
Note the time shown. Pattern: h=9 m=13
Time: h=7 m=42
